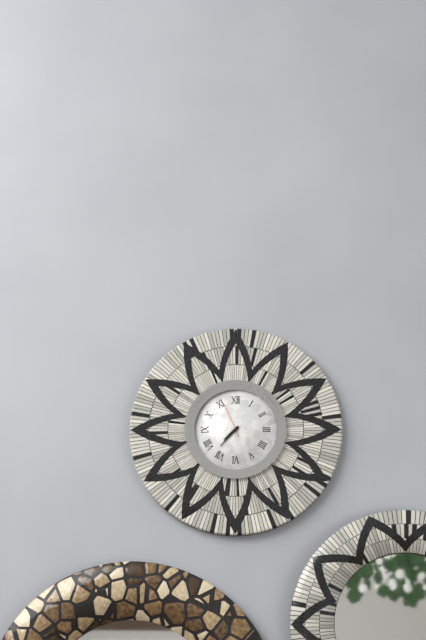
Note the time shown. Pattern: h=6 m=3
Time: h=7 m=37
